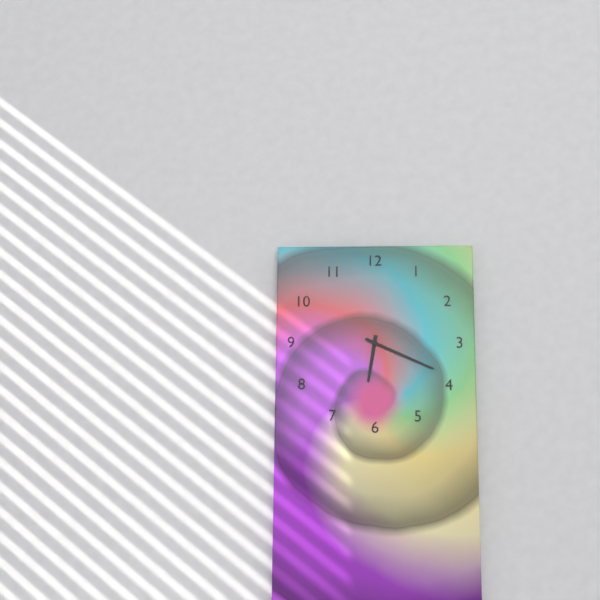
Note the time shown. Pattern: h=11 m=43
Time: h=6 m=19
